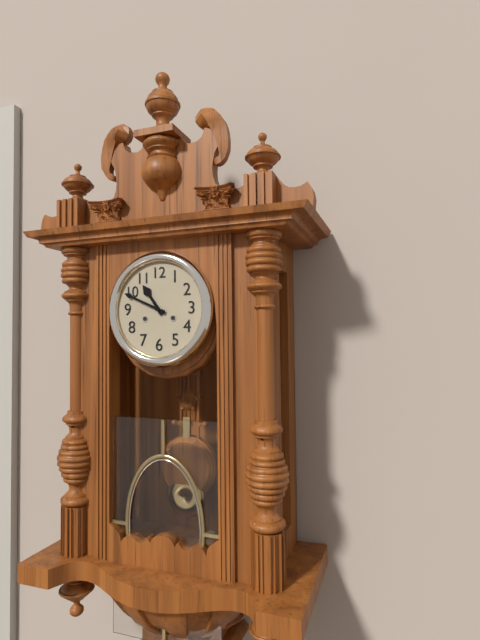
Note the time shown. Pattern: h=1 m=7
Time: h=10 m=49
